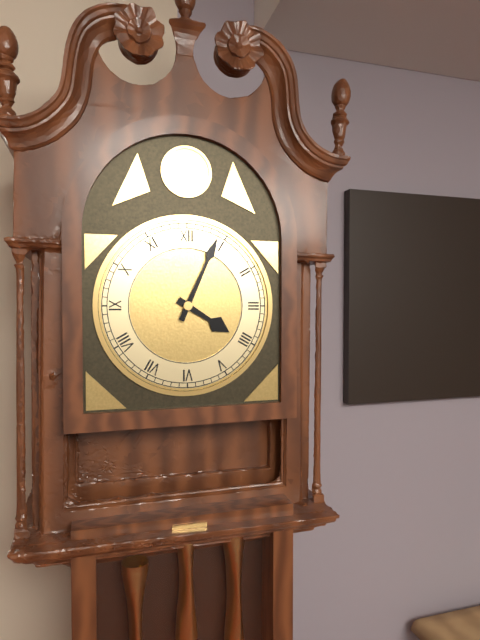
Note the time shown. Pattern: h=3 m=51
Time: h=4 m=4
